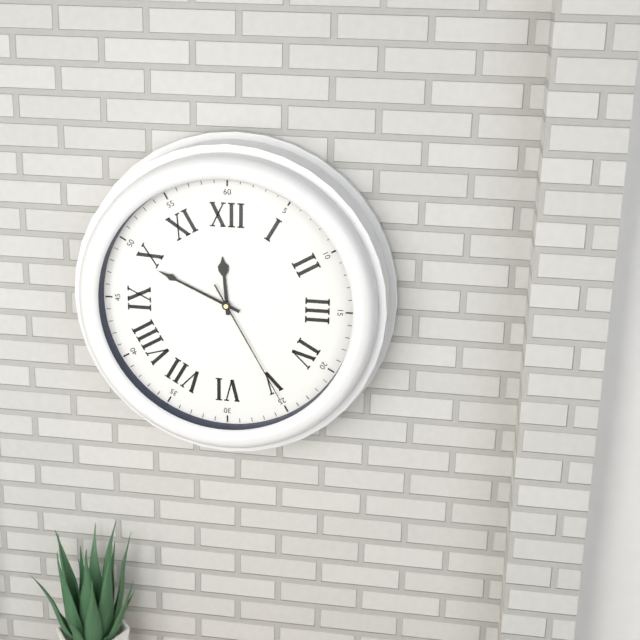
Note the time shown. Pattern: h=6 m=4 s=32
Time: h=11 m=49 s=25
